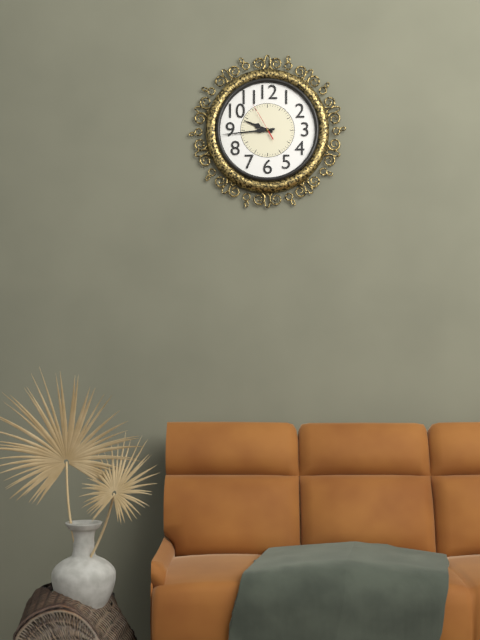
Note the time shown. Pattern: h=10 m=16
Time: h=9 m=44
